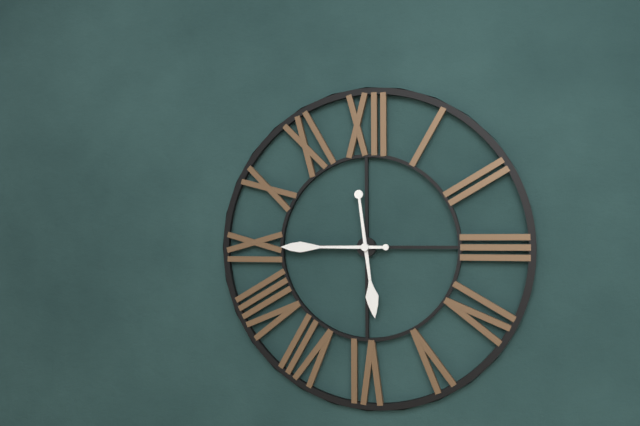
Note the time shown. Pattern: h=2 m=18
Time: h=5 m=45
